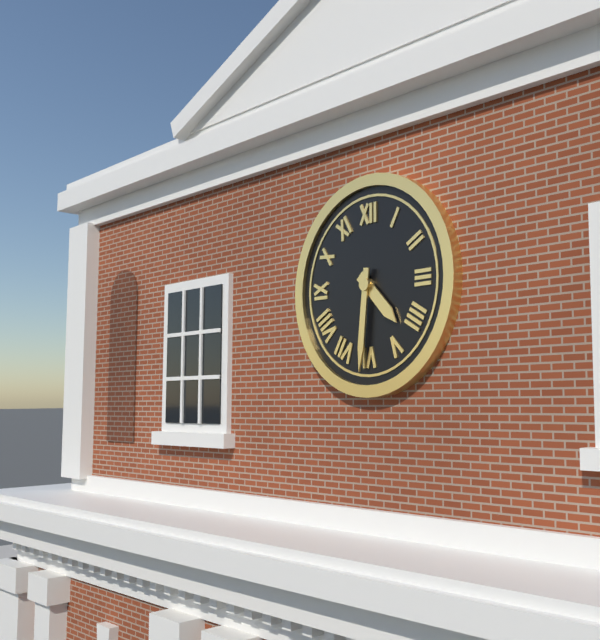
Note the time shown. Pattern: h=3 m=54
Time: h=4 m=31
